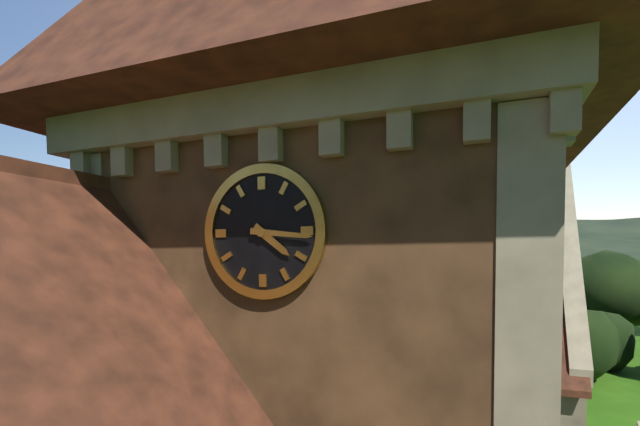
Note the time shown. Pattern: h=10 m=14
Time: h=4 m=16
